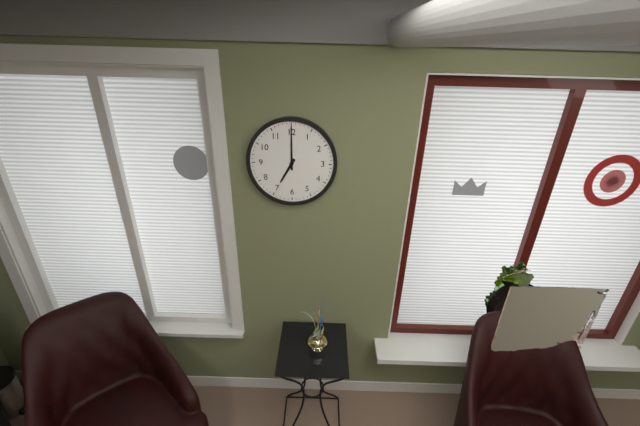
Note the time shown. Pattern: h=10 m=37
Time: h=7 m=0
